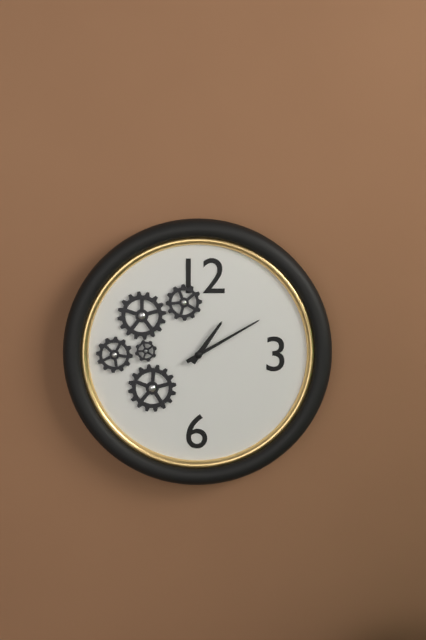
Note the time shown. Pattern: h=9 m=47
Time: h=1 m=10
